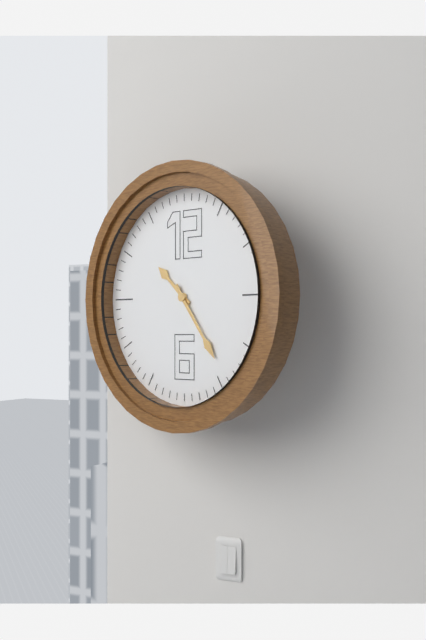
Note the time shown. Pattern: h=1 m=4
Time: h=10 m=24
